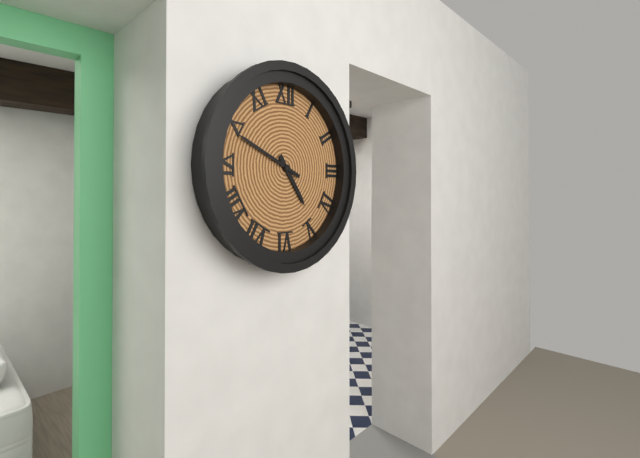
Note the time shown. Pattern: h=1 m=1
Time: h=4 m=49
